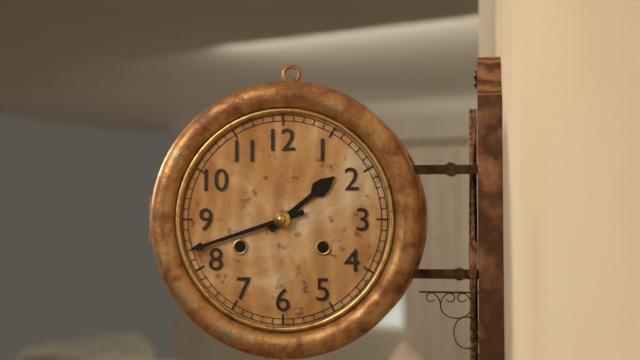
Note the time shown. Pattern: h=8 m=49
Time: h=1 m=42
